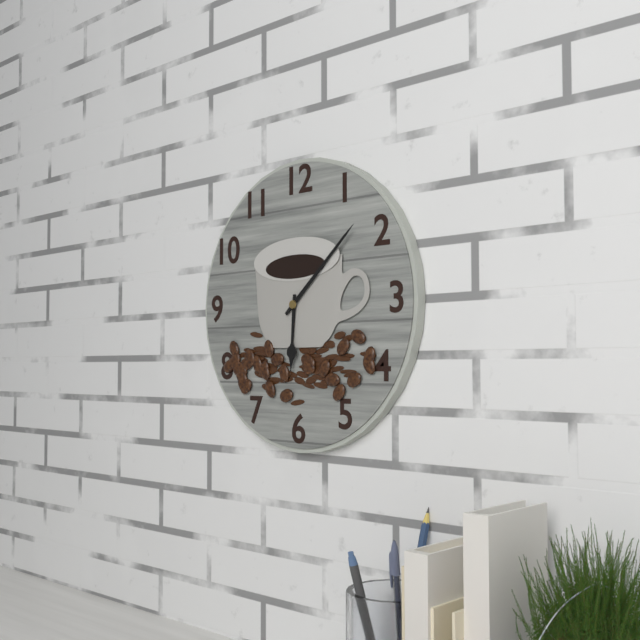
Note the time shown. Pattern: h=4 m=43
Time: h=6 m=8
